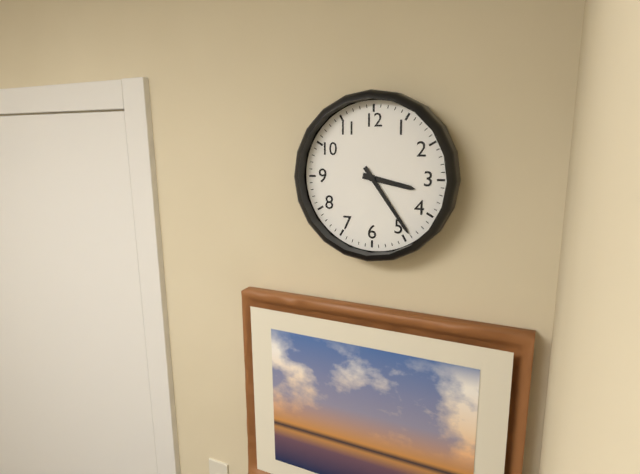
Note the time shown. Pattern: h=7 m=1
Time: h=3 m=24
